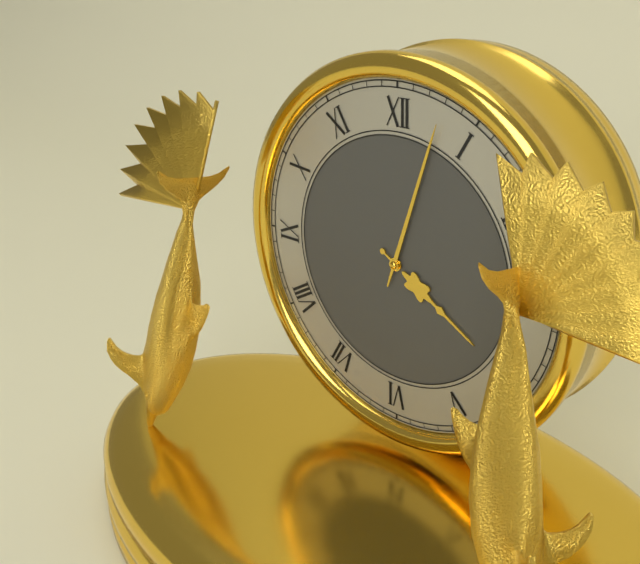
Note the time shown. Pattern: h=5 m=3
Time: h=4 m=3
